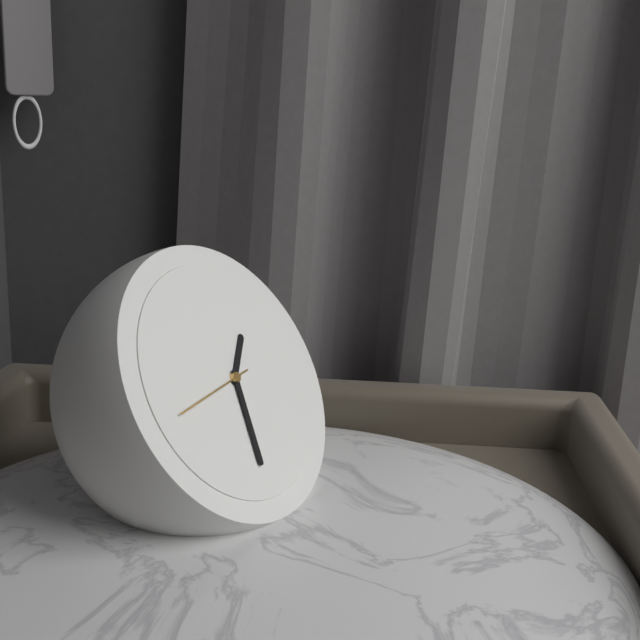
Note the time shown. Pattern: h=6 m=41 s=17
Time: h=1 m=32 s=44
